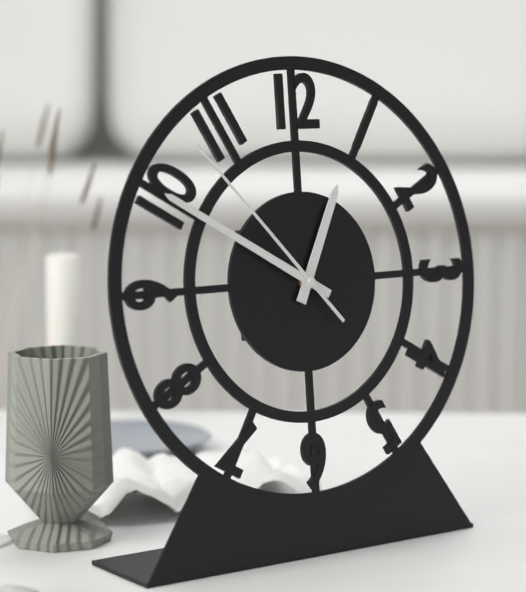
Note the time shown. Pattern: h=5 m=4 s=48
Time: h=12 m=50 s=53
